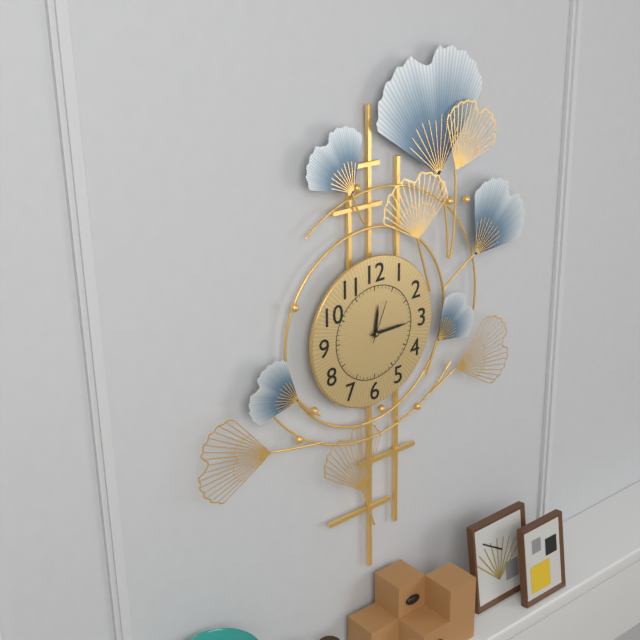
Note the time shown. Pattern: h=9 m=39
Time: h=12 m=15
